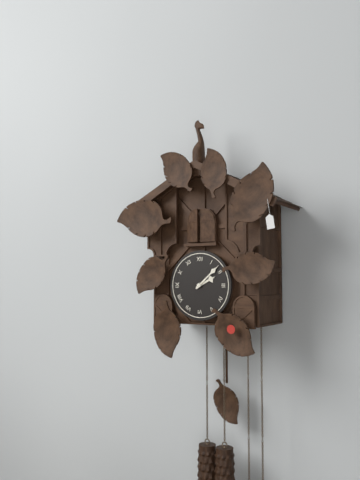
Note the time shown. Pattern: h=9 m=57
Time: h=2 m=8
